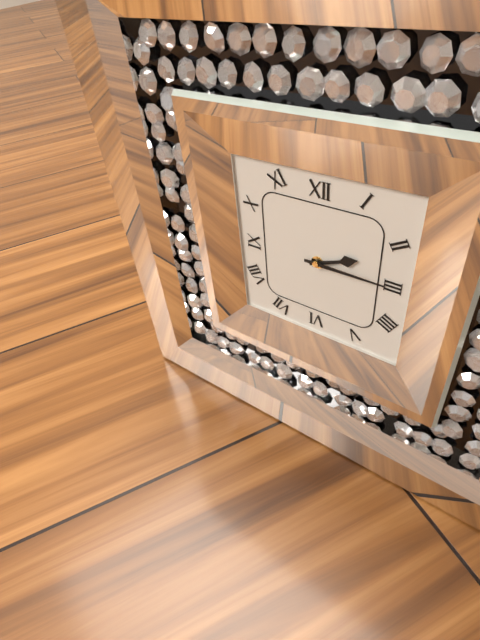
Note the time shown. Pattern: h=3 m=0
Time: h=2 m=15
